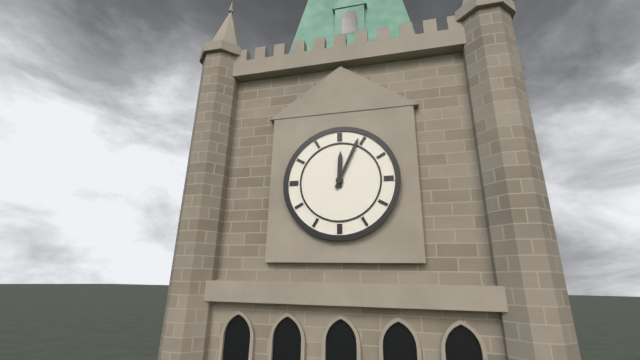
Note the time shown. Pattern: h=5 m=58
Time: h=12 m=4
